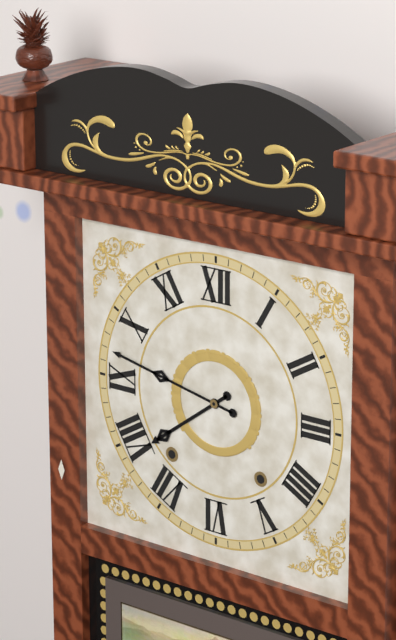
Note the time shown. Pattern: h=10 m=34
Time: h=7 m=47
